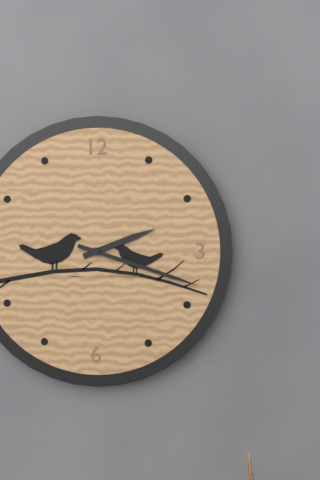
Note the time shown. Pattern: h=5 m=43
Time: h=2 m=18
